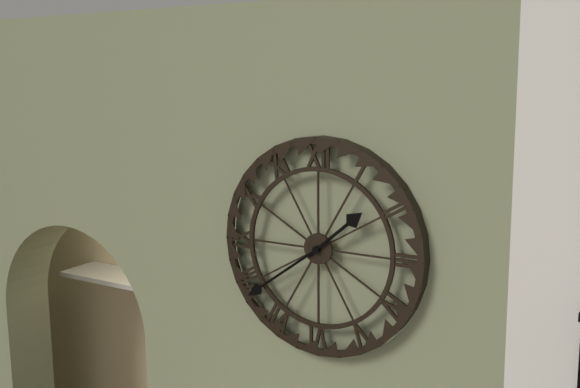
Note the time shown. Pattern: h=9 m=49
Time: h=1 m=39
